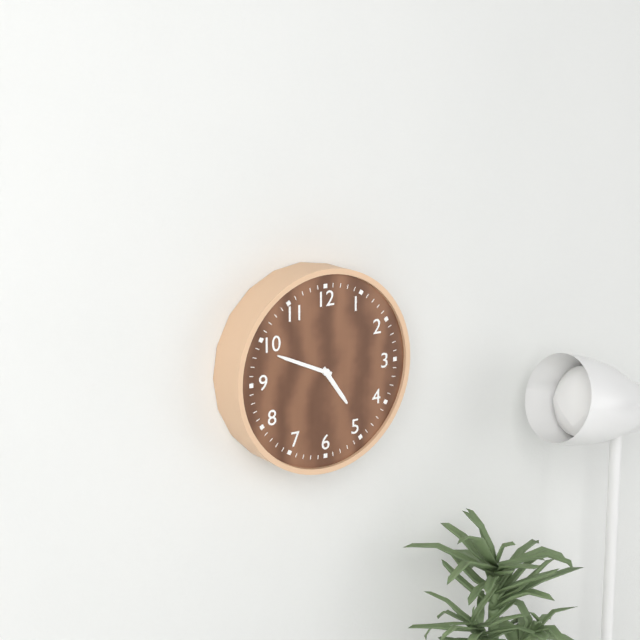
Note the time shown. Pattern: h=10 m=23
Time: h=4 m=49
